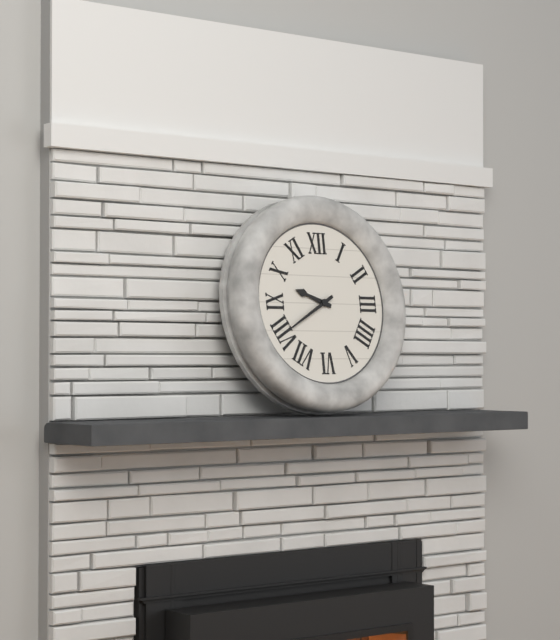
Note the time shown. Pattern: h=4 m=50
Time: h=9 m=40
